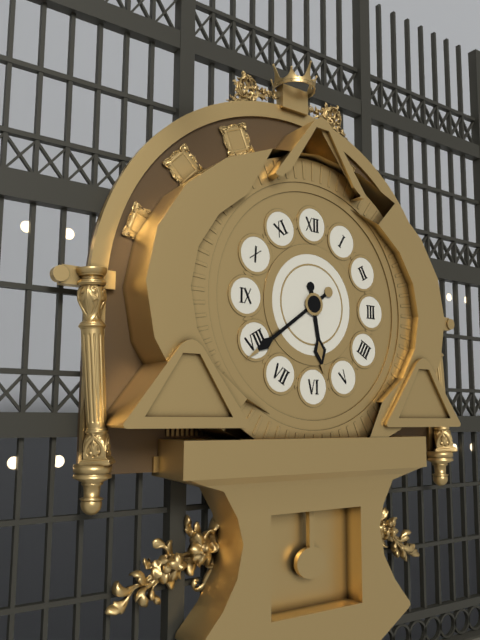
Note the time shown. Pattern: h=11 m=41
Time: h=5 m=39
